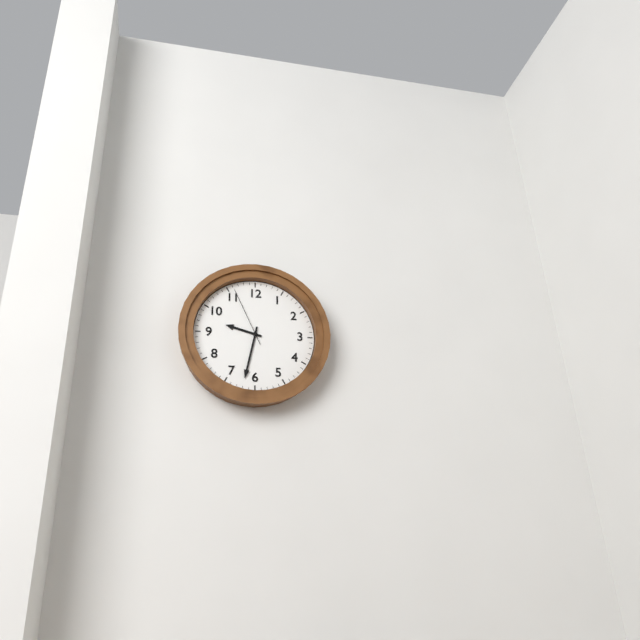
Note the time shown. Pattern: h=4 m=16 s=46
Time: h=9 m=32 s=56
